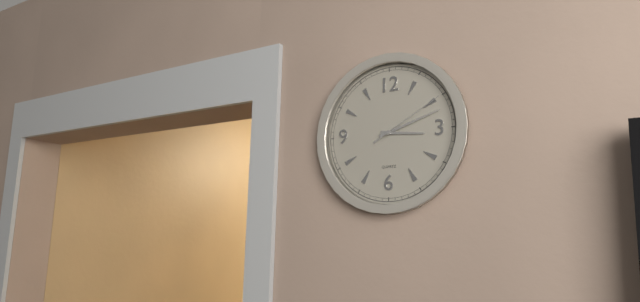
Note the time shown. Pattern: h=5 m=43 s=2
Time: h=3 m=12 s=10
